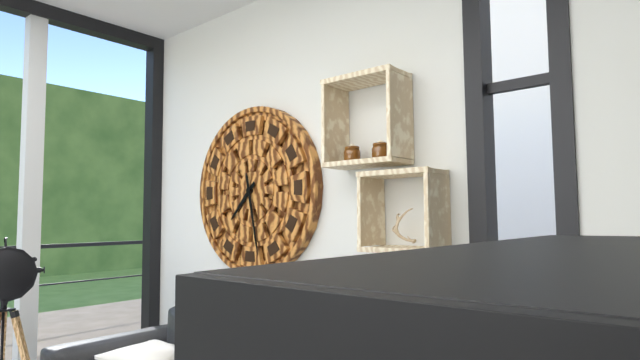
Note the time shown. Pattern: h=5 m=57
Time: h=7 m=28
